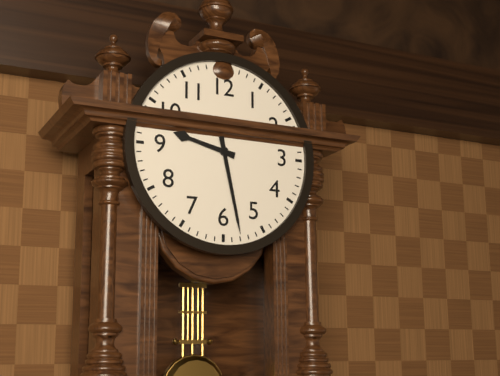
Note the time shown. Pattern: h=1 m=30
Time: h=9 m=28
